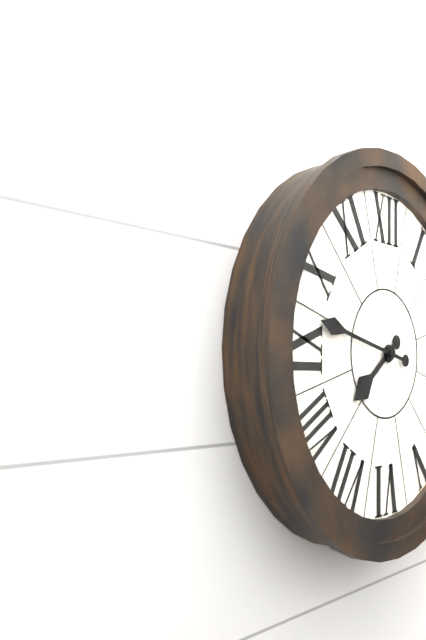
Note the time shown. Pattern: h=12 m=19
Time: h=7 m=47
